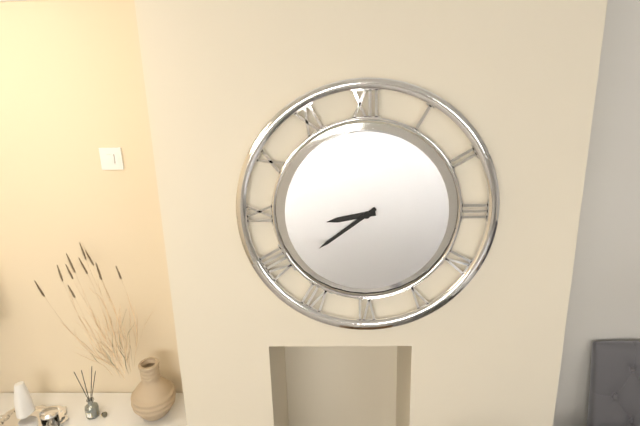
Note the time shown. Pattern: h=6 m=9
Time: h=8 m=39
